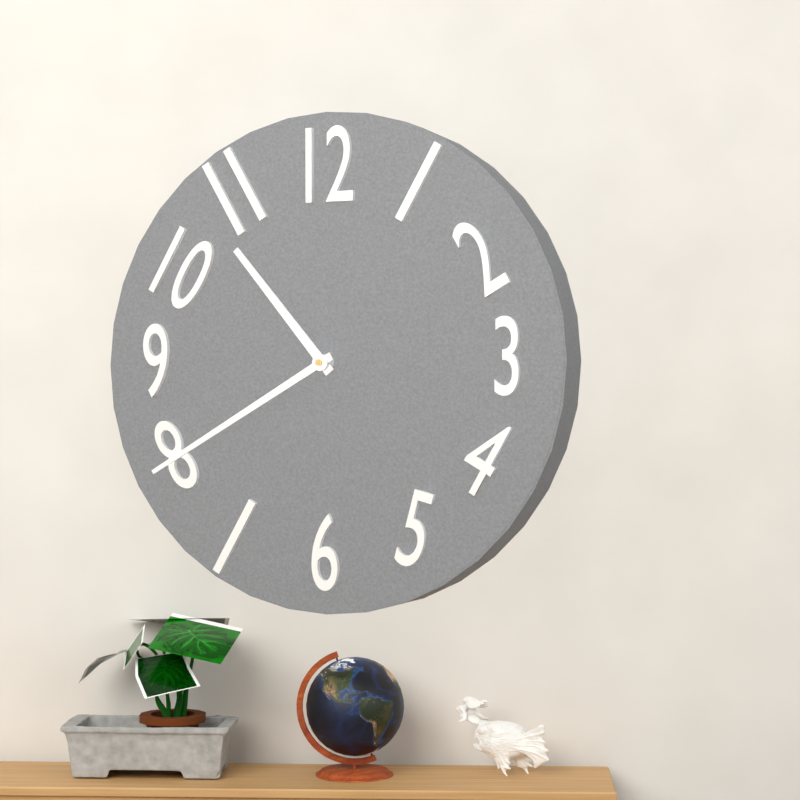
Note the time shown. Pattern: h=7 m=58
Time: h=10 m=40
